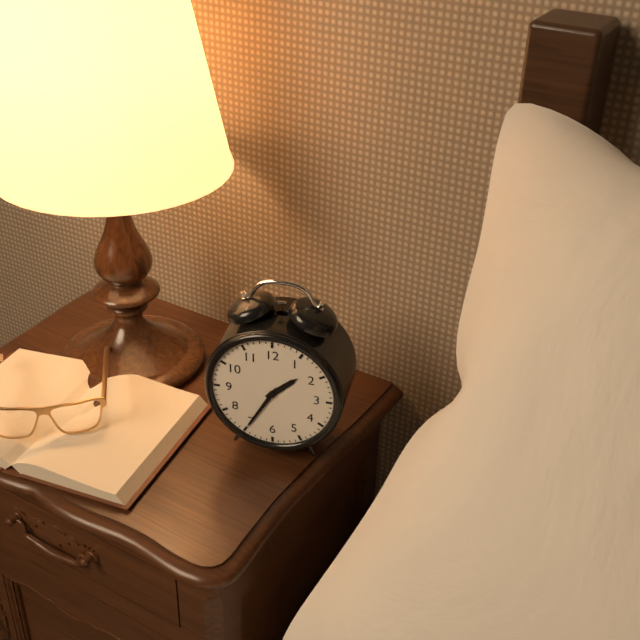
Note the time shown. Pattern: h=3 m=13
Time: h=1 m=35
